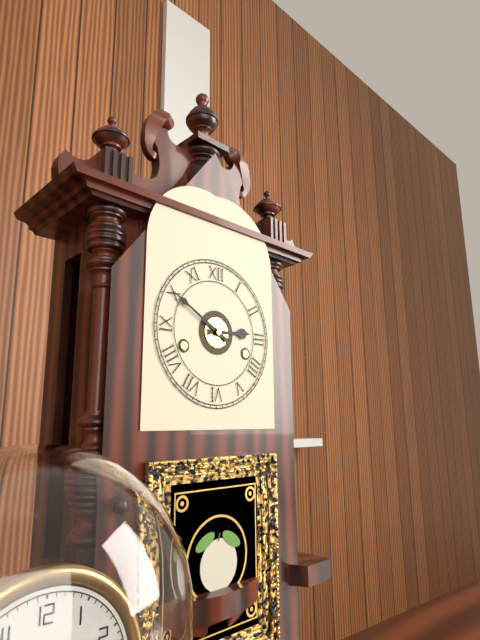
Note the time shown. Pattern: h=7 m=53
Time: h=2 m=50
